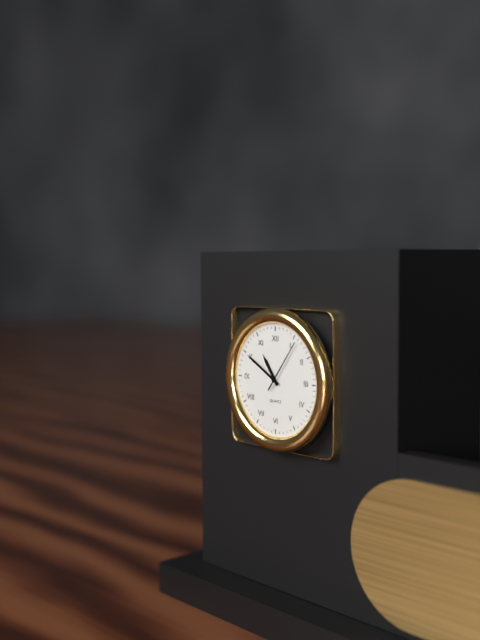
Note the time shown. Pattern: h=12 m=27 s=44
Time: h=10 m=50 s=6
